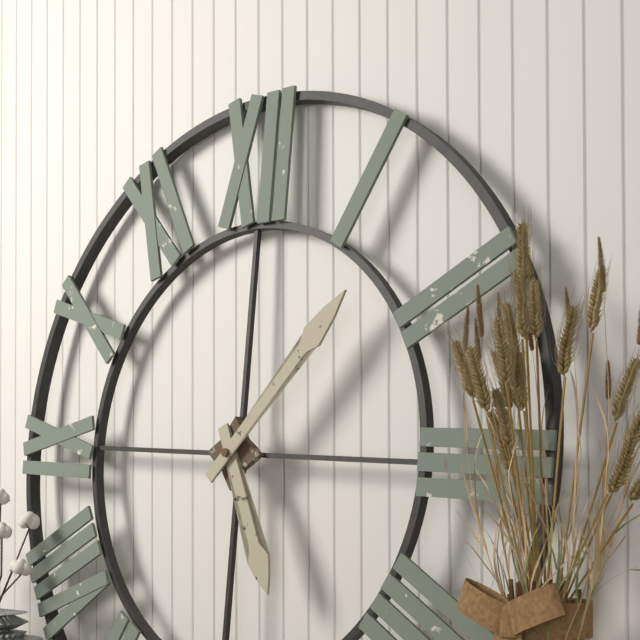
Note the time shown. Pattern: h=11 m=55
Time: h=5 m=7
